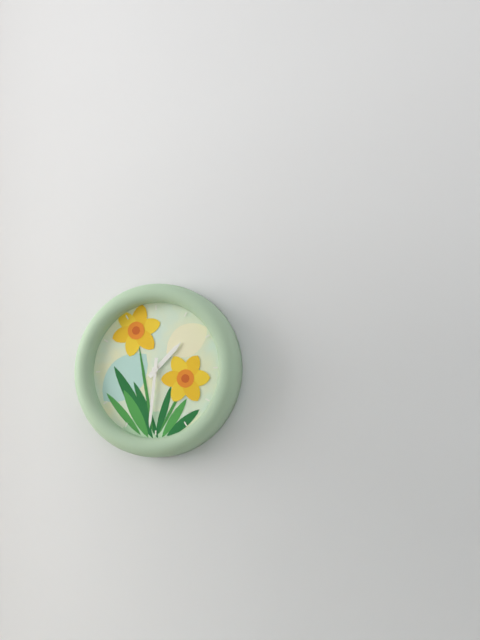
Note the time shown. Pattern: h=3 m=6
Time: h=1 m=31
